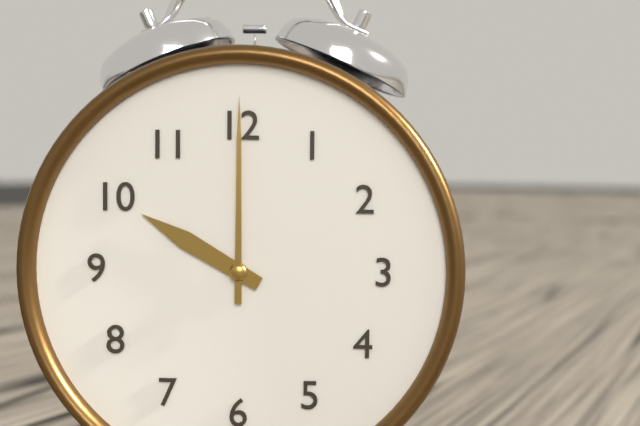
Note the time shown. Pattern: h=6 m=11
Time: h=10 m=0
